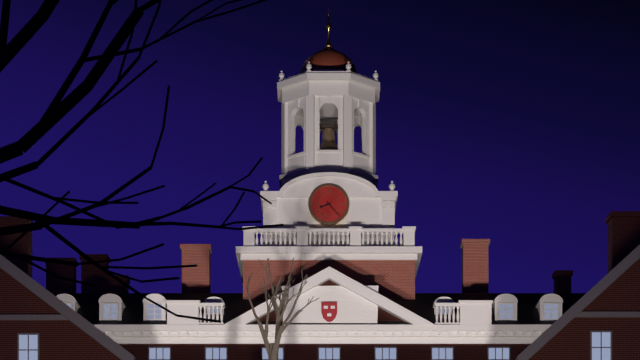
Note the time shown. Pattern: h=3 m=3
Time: h=8 m=23
